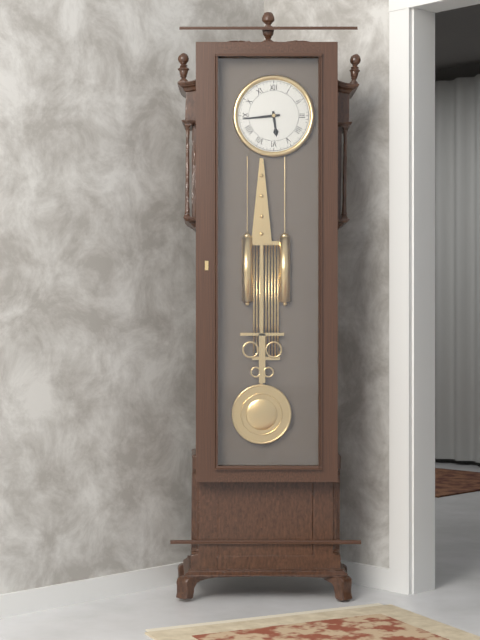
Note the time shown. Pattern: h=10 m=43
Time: h=5 m=44
